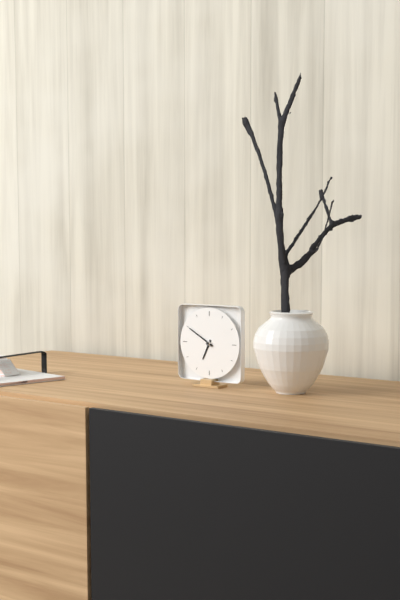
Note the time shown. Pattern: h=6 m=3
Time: h=6 m=50
